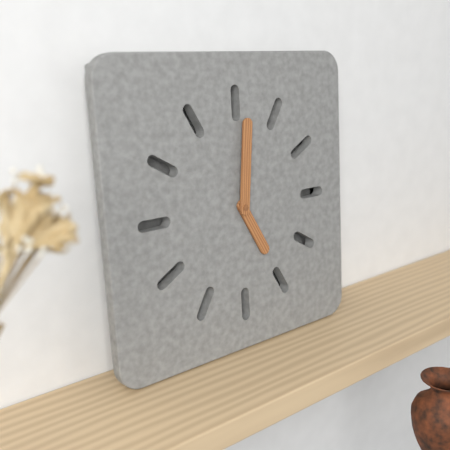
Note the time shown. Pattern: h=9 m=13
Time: h=5 m=1
